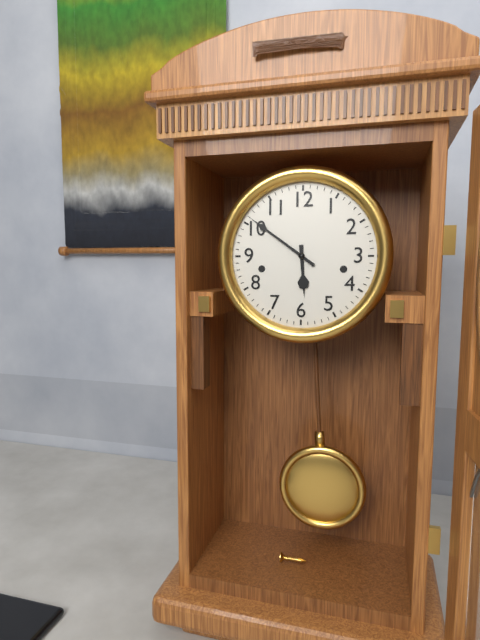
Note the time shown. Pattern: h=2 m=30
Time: h=5 m=51
